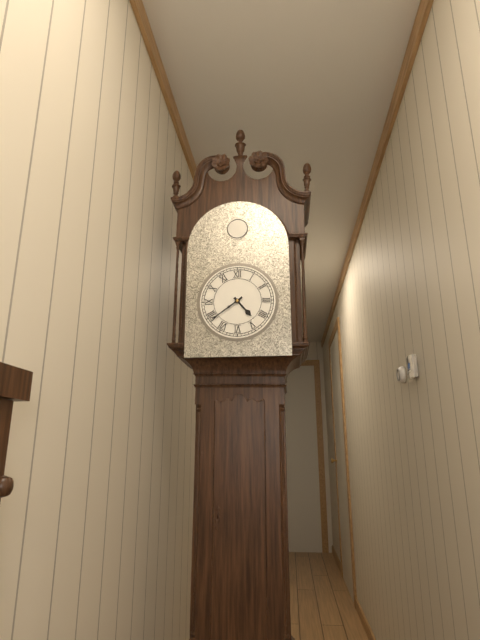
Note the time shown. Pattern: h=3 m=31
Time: h=4 m=39
